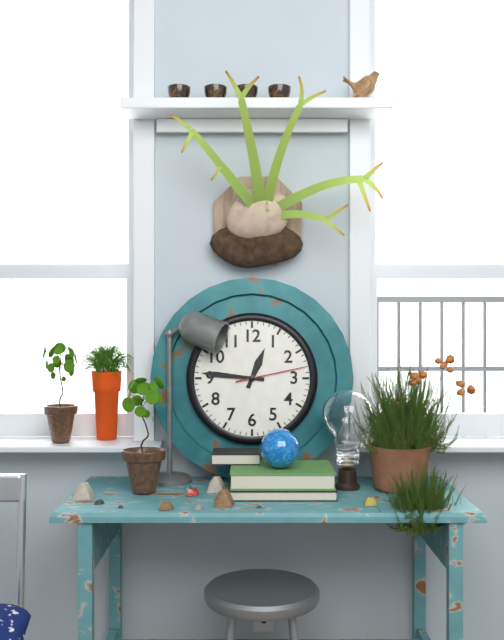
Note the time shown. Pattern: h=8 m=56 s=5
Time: h=12 m=46 s=13
